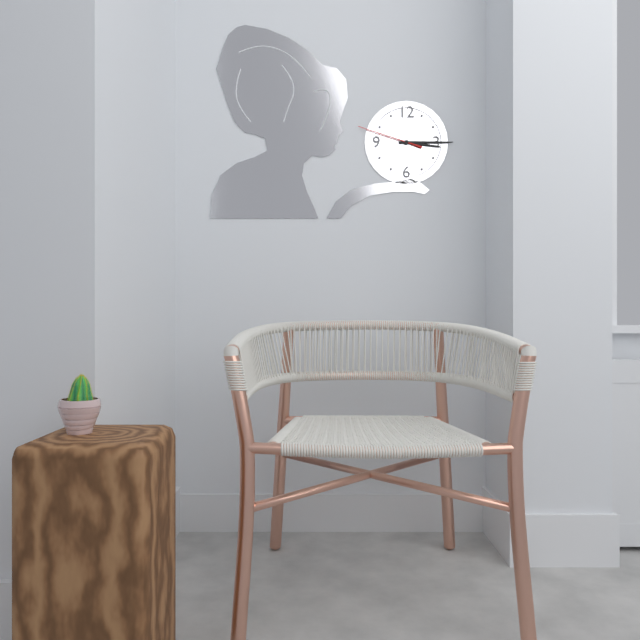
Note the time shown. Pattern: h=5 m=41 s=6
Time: h=3 m=15 s=48
